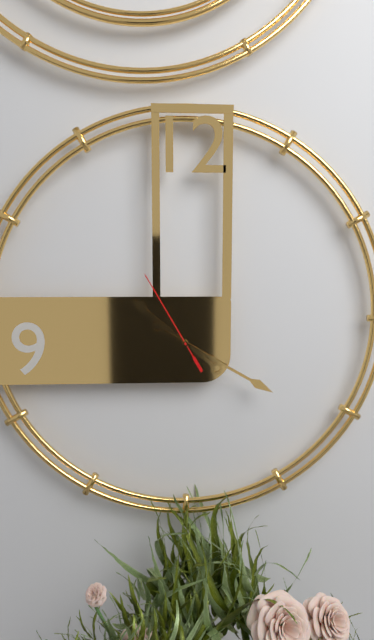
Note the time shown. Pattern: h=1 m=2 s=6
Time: h=10 m=20 s=55
